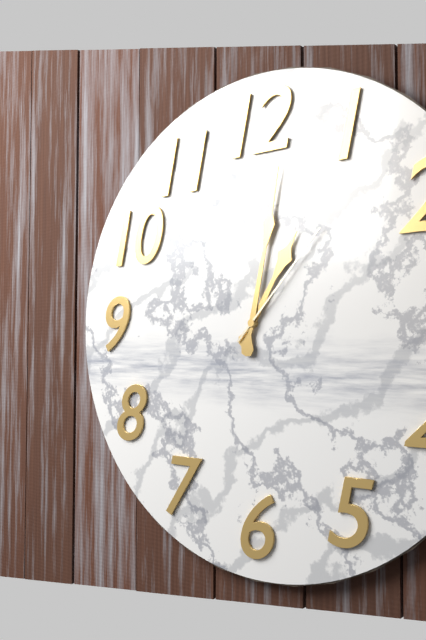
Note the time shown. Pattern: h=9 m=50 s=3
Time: h=1 m=2 s=7
